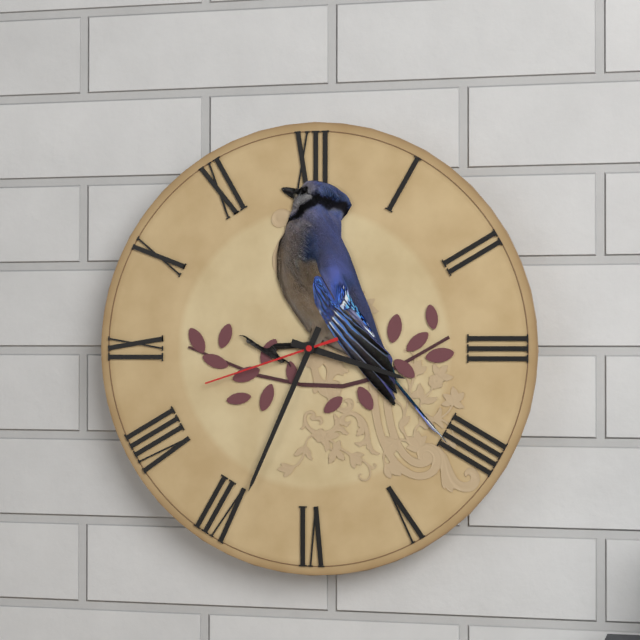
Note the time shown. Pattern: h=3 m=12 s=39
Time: h=3 m=34 s=42
